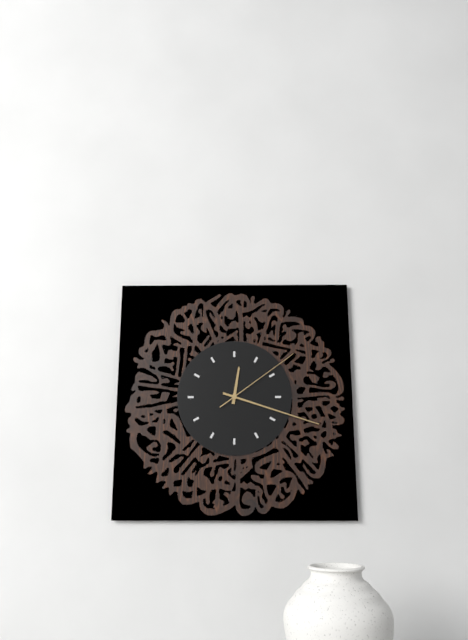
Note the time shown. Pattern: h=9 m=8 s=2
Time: h=12 m=18 s=9
